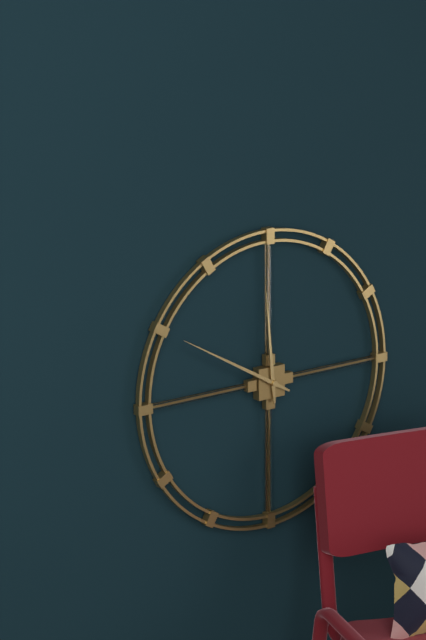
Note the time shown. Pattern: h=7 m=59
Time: h=11 m=50
